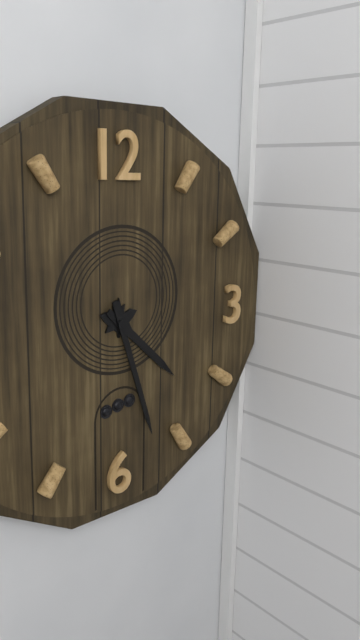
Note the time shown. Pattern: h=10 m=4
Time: h=4 m=27
